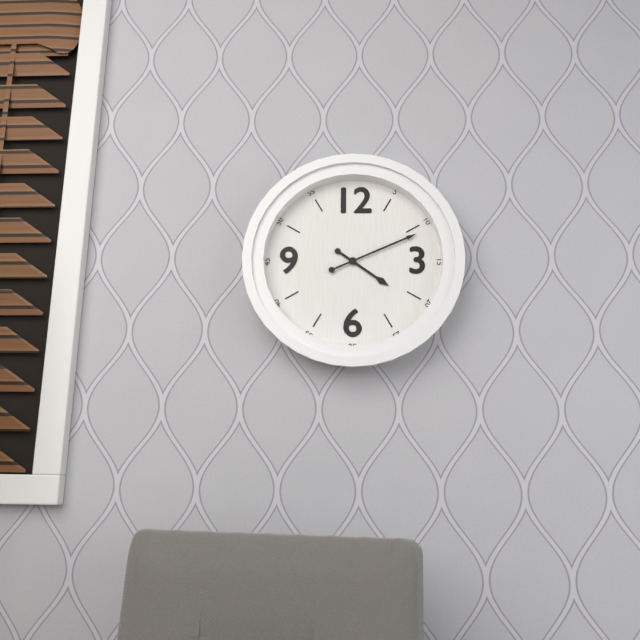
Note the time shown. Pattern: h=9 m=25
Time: h=4 m=11
